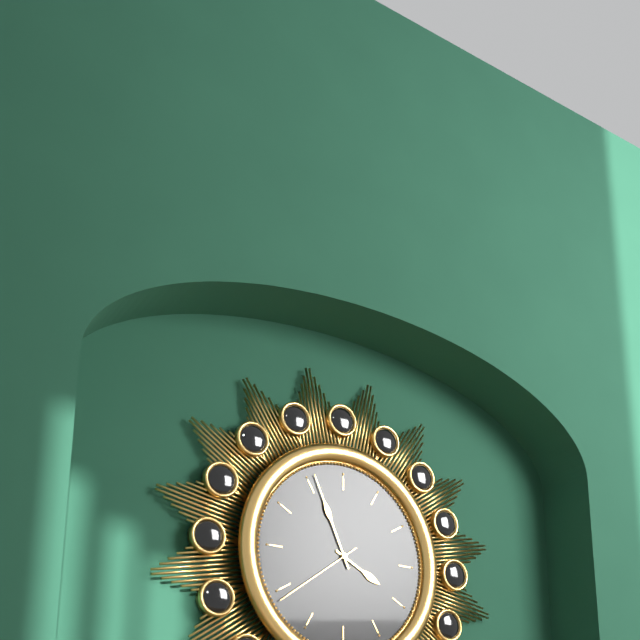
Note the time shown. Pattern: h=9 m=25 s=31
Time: h=3 m=56 s=39
